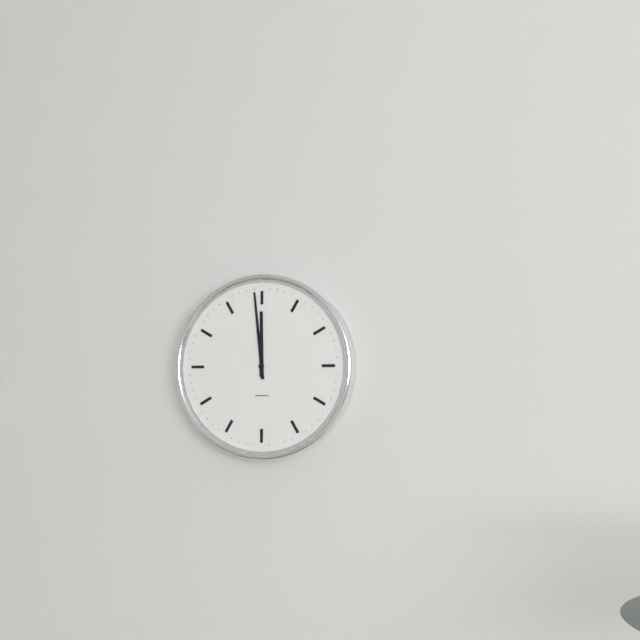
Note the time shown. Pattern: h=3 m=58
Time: h=11 m=59
